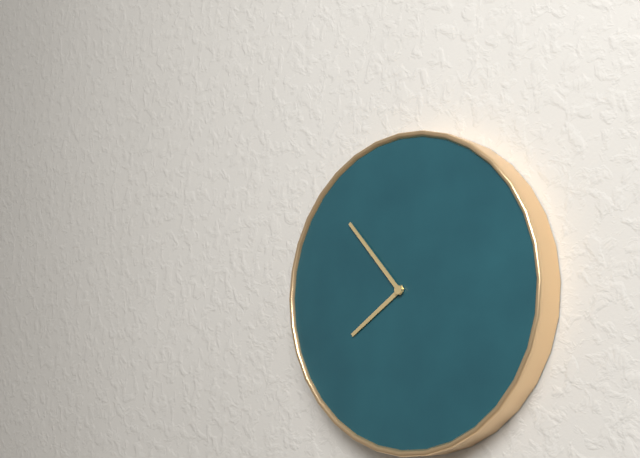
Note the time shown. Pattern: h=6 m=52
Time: h=7 m=53
